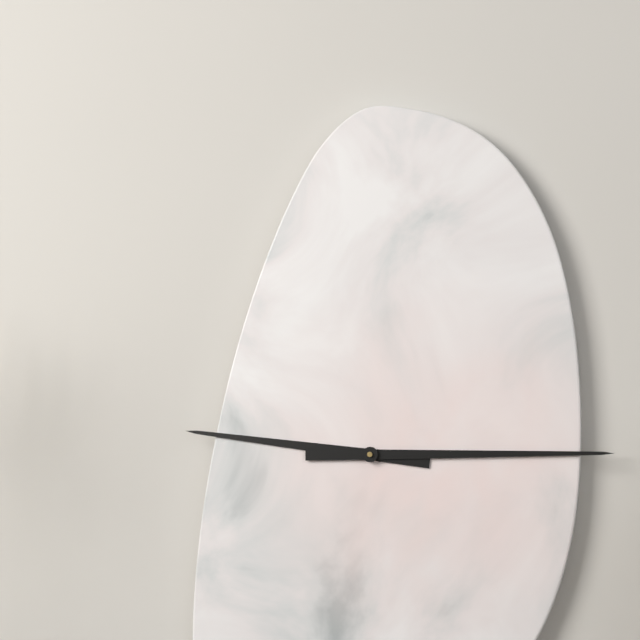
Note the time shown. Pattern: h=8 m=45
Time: h=9 m=15
